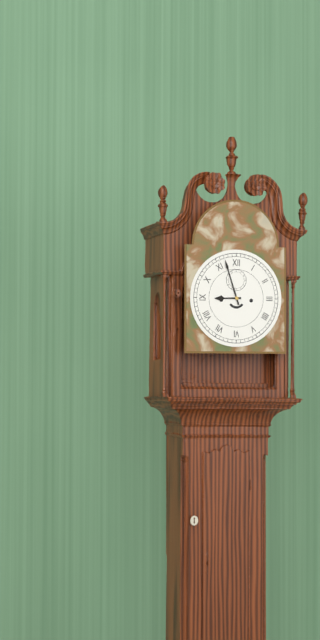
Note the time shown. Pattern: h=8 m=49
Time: h=8 m=57
